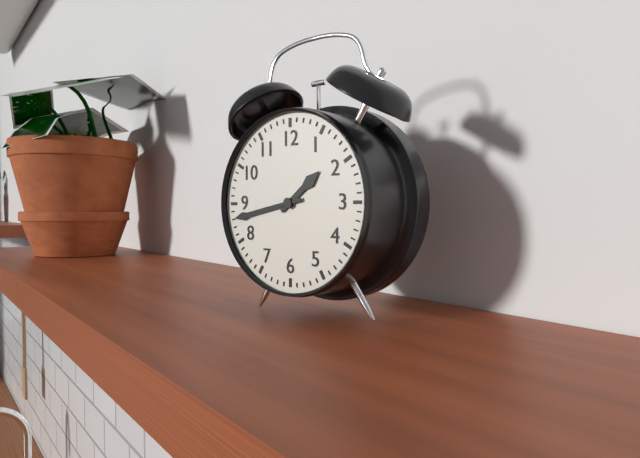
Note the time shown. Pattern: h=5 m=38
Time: h=1 m=43
